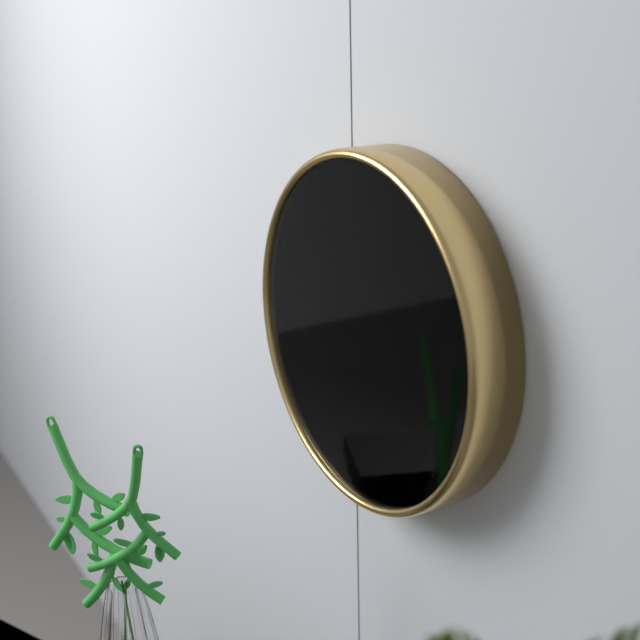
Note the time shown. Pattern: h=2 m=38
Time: h=5 m=58
